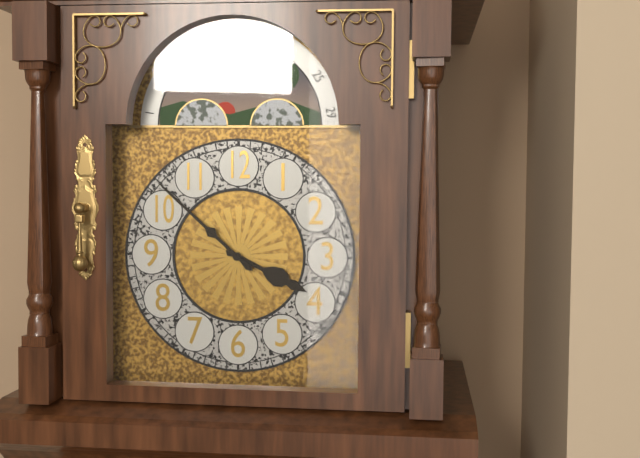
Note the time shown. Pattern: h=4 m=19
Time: h=3 m=52
